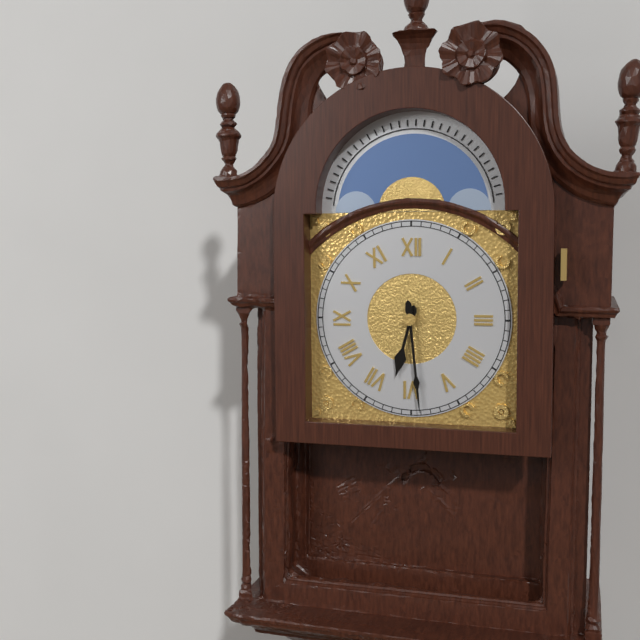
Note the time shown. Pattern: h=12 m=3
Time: h=6 m=29
